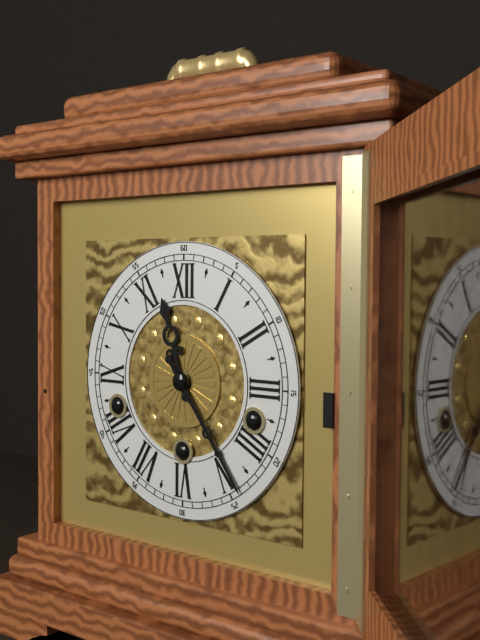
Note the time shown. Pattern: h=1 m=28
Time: h=11 m=24
